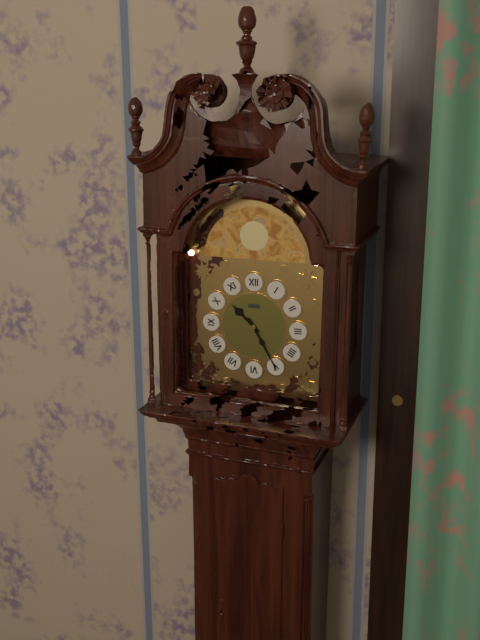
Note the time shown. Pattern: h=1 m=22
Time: h=10 m=25
